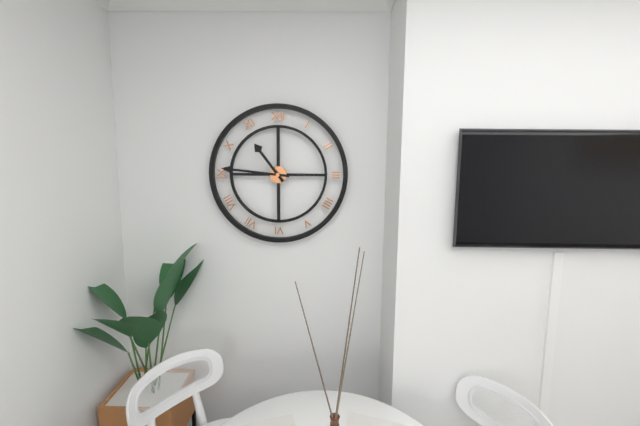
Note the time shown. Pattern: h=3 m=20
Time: h=10 m=46
